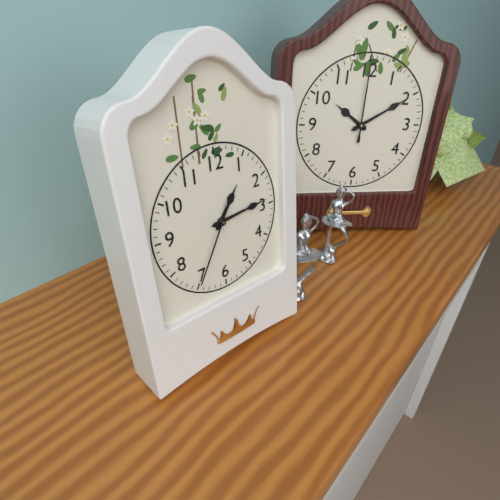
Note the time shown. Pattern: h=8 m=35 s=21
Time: h=1 m=14 s=35
